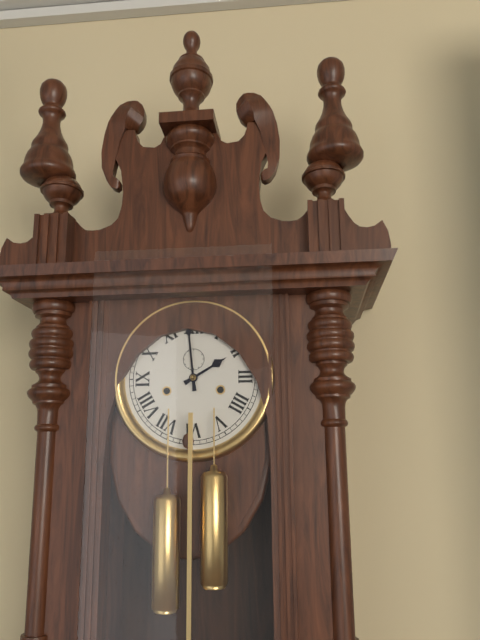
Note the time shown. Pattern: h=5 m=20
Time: h=1 m=59
